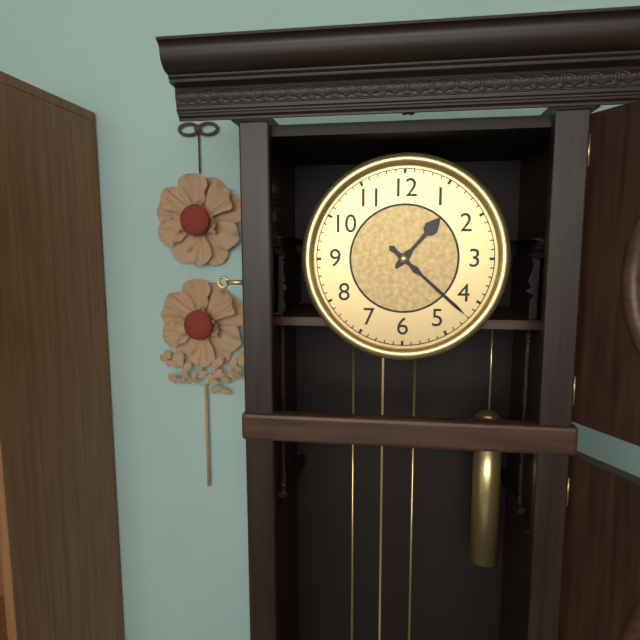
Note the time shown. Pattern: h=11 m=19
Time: h=1 m=22
